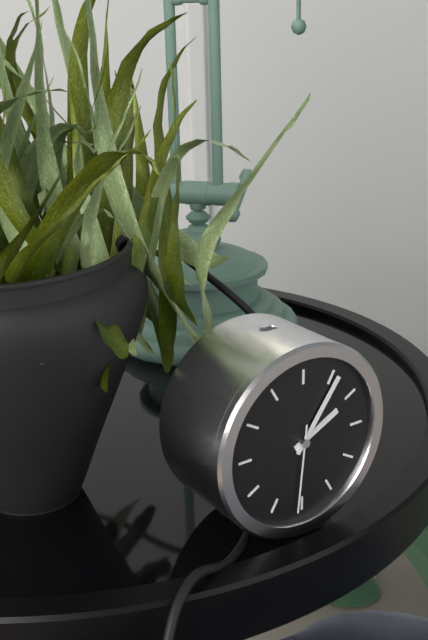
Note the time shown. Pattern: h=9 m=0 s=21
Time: h=2 m=6 s=31
